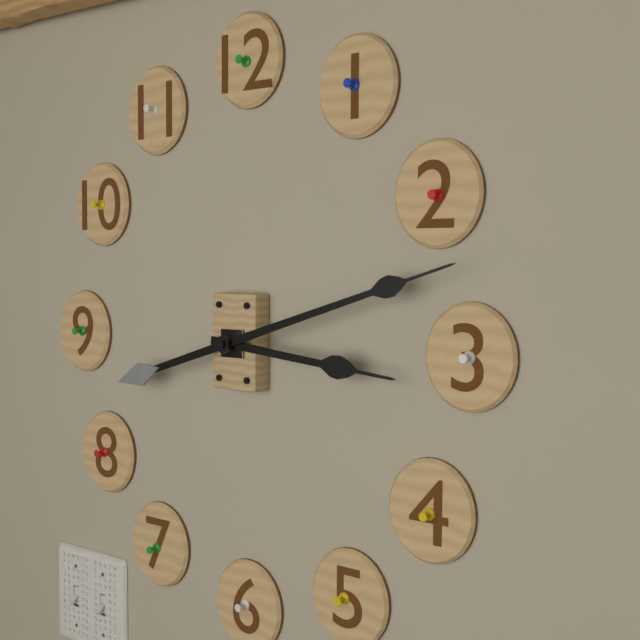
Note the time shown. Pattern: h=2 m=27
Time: h=3 m=12
